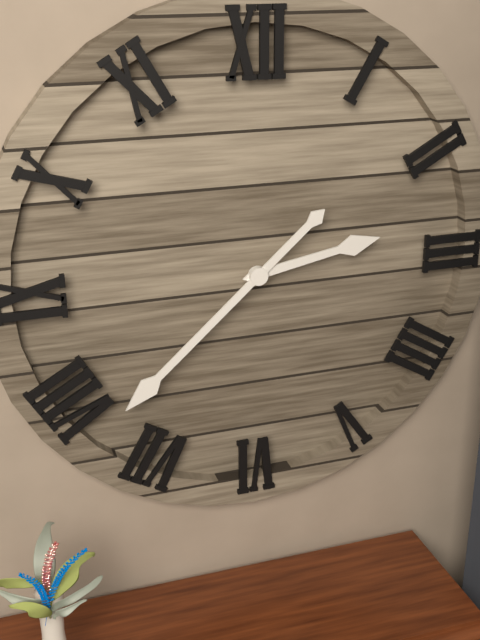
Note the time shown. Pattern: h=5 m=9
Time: h=2 m=38
